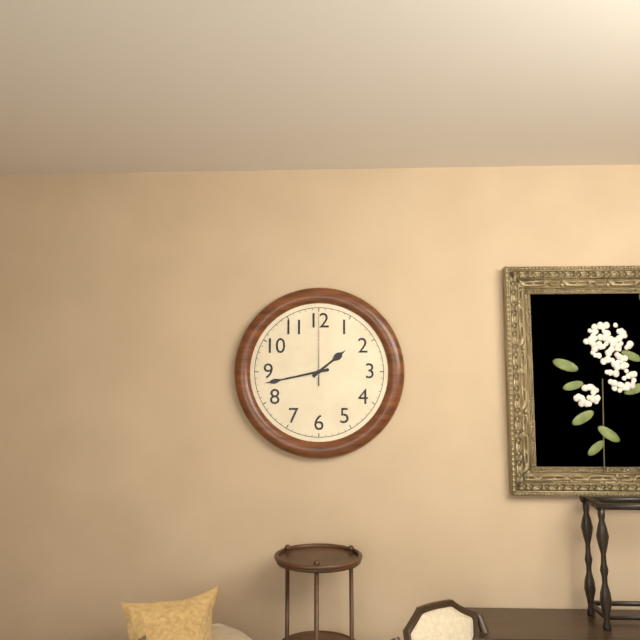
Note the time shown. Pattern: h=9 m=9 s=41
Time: h=1 m=43 s=0
